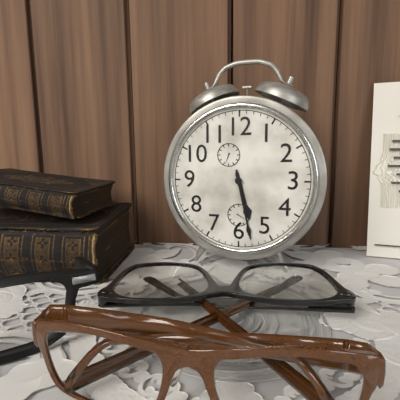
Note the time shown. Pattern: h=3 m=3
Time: h=5 m=28
